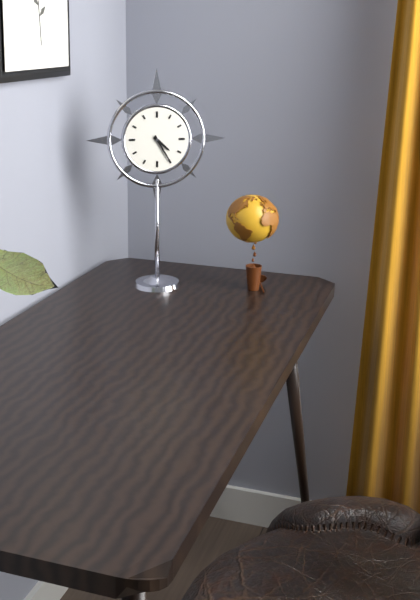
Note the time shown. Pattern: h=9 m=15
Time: h=4 m=25
